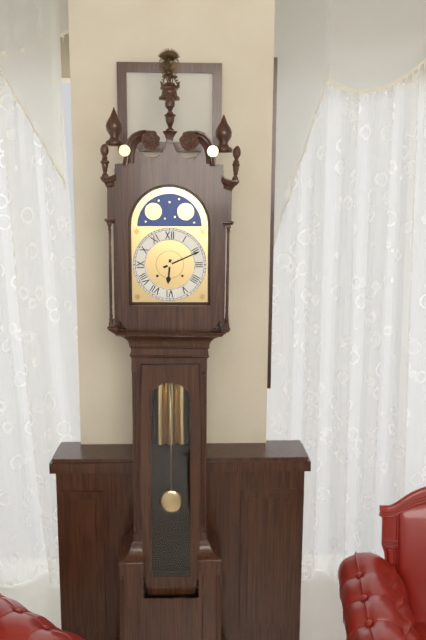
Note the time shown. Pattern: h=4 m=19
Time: h=6 m=11
